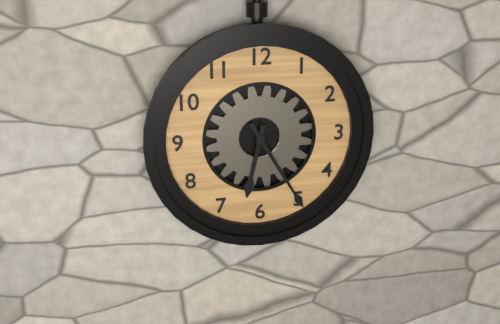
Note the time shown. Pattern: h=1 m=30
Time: h=6 m=25
